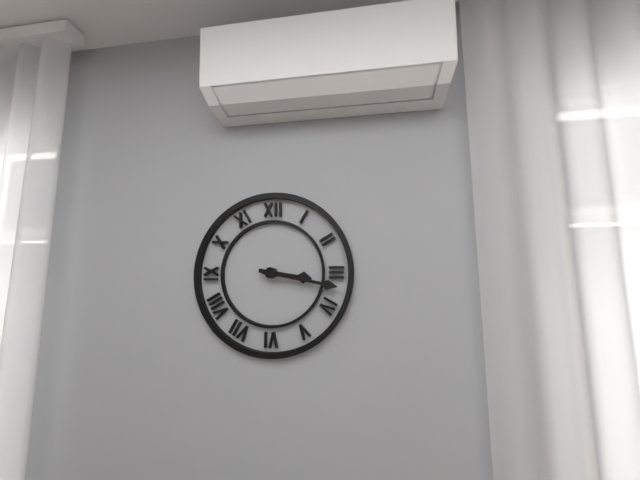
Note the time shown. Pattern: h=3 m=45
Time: h=3 m=17
